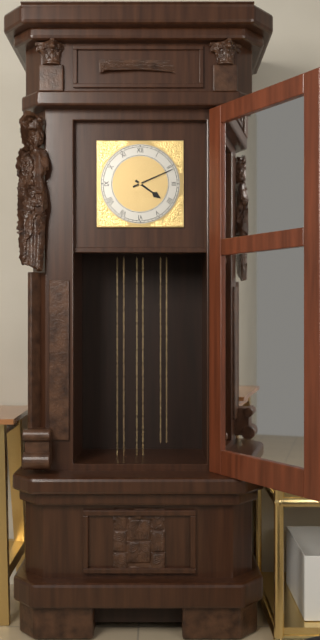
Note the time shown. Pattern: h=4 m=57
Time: h=4 m=11
